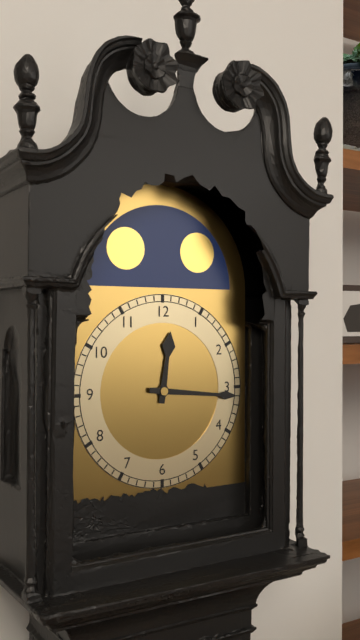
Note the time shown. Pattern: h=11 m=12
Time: h=12 m=16
